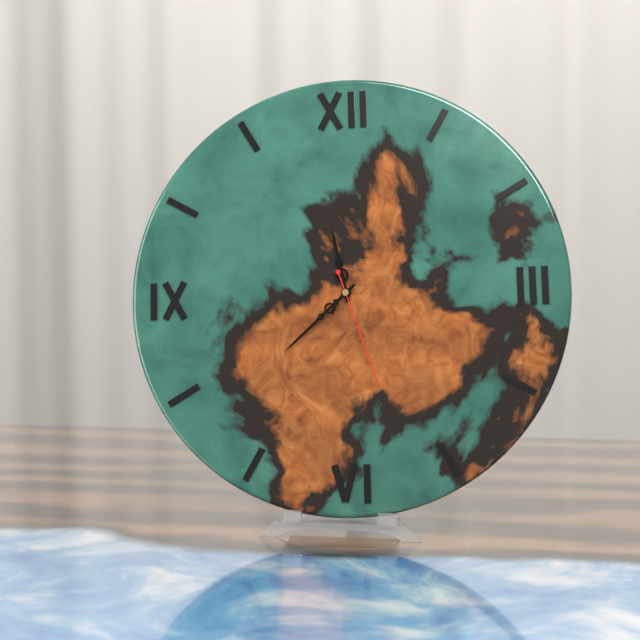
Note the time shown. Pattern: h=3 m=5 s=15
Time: h=11 m=38 s=27
